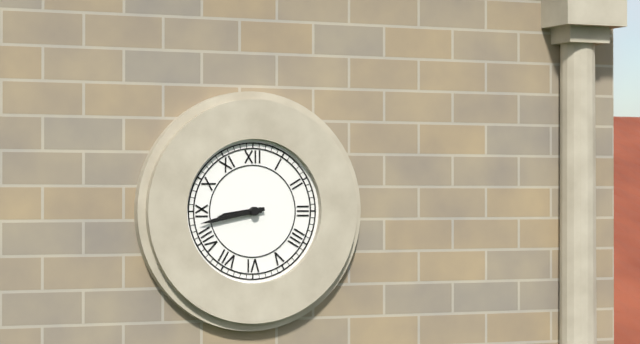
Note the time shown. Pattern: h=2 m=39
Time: h=8 m=43
